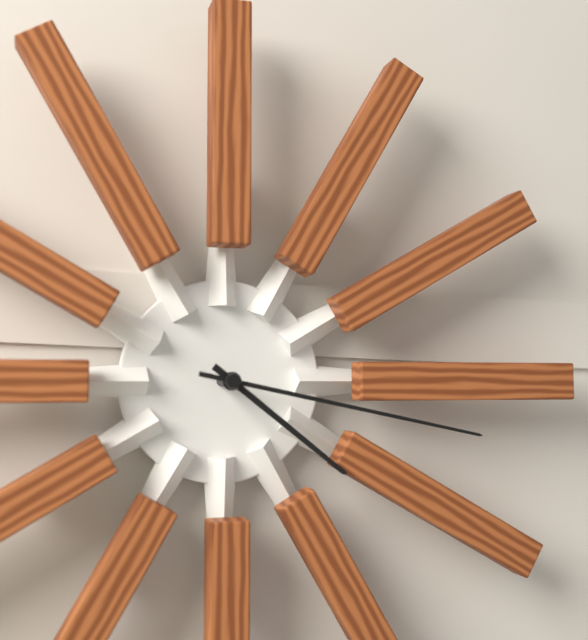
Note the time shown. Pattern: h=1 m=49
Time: h=4 m=17
